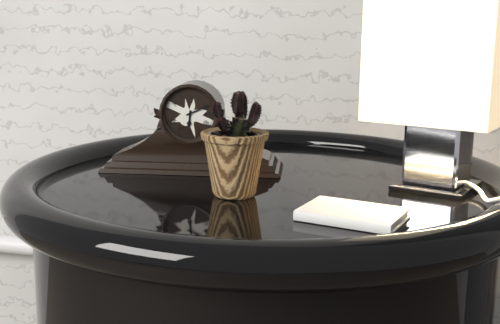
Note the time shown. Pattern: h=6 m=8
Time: h=6 m=11
